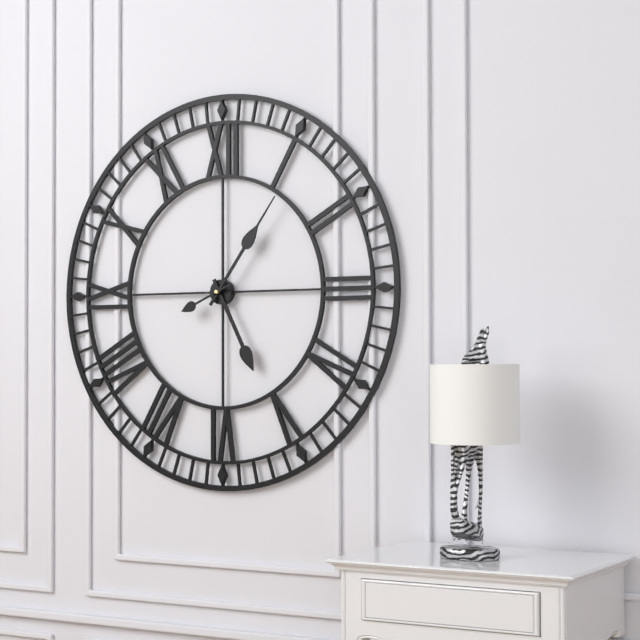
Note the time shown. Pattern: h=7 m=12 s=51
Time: h=5 m=6 s=41
